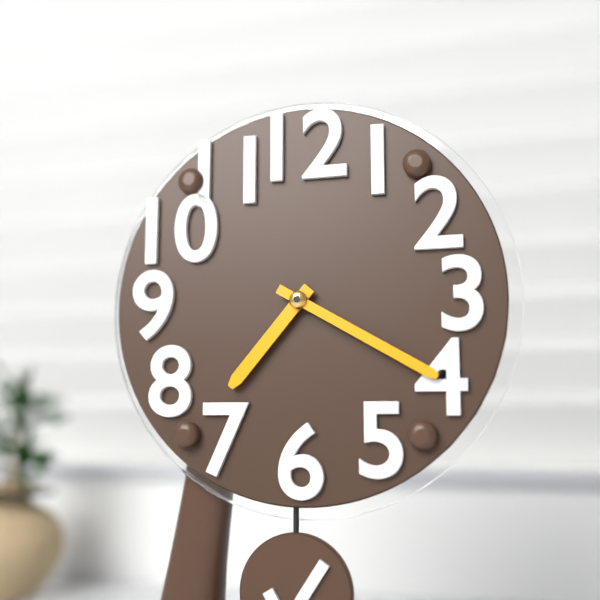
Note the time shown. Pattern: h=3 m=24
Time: h=7 m=20
